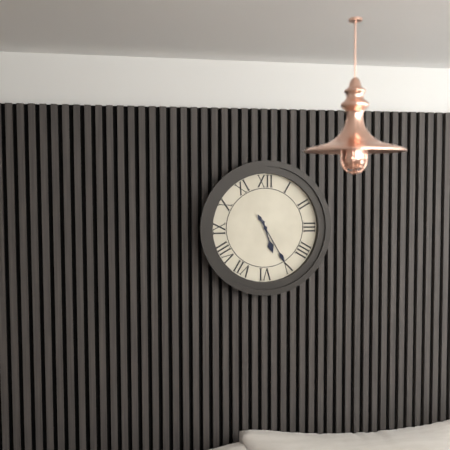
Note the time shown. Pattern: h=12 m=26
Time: h=5 m=25
